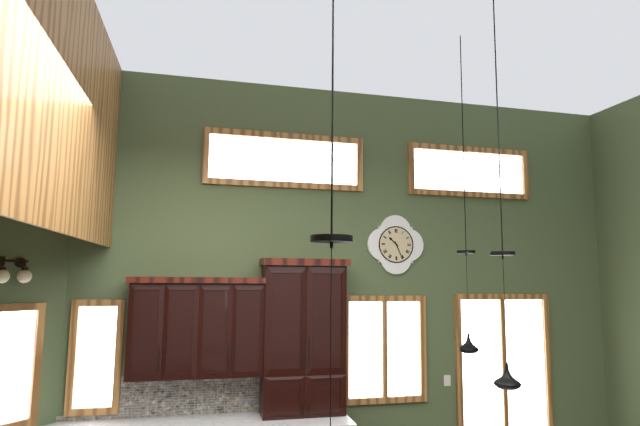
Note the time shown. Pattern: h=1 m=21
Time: h=10 m=26
